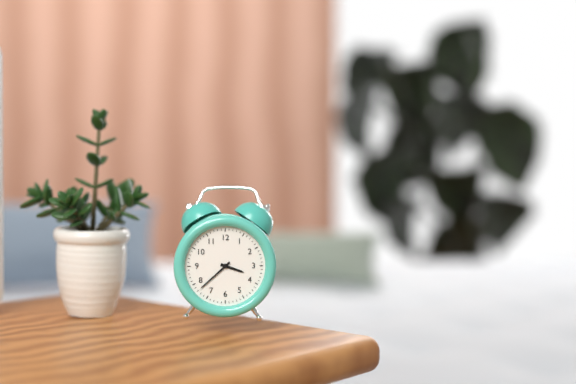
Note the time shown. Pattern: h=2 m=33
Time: h=3 m=38
